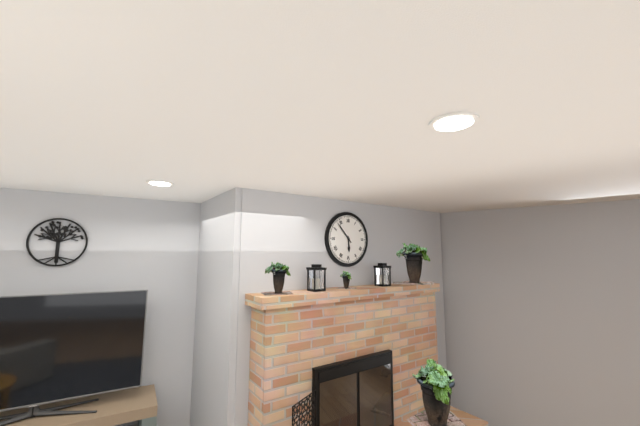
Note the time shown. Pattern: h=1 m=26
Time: h=5 m=53
